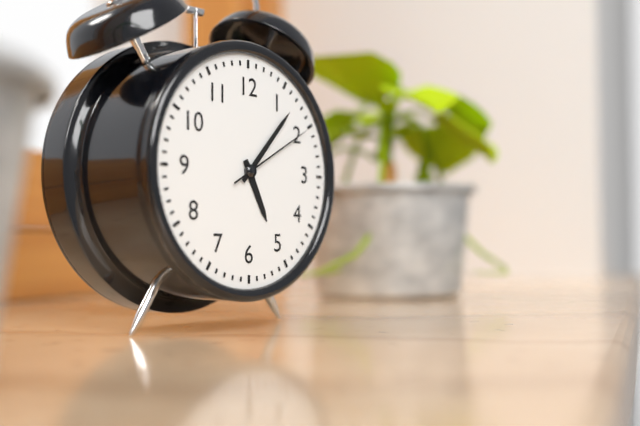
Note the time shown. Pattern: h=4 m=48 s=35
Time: h=5 m=7 s=10
